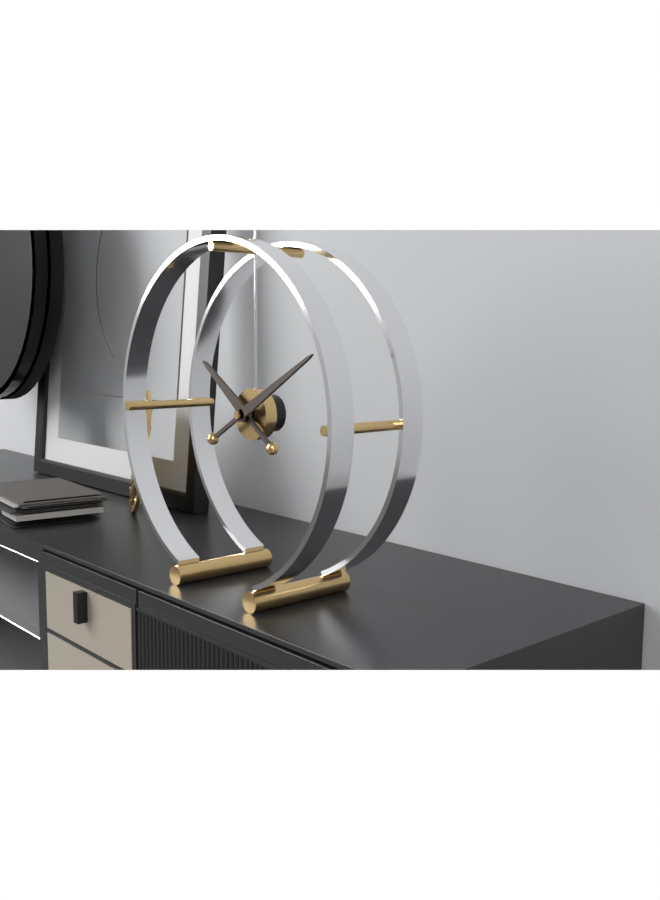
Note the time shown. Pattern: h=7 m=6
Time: h=10 m=10
